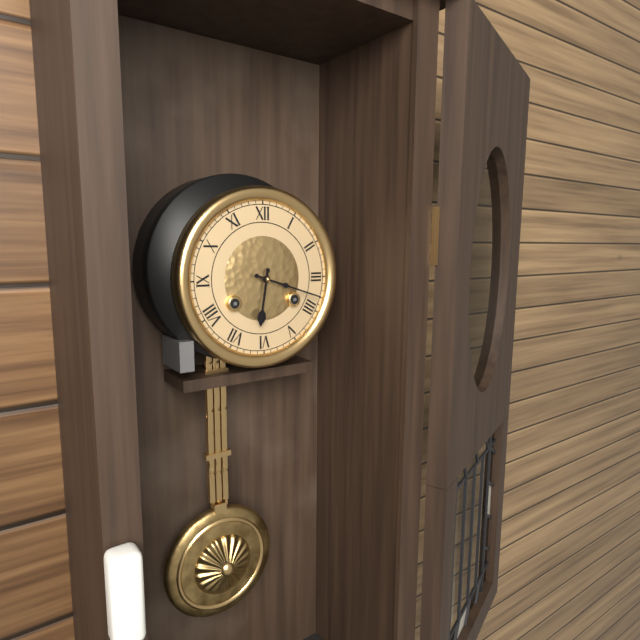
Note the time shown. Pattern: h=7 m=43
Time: h=6 m=18
